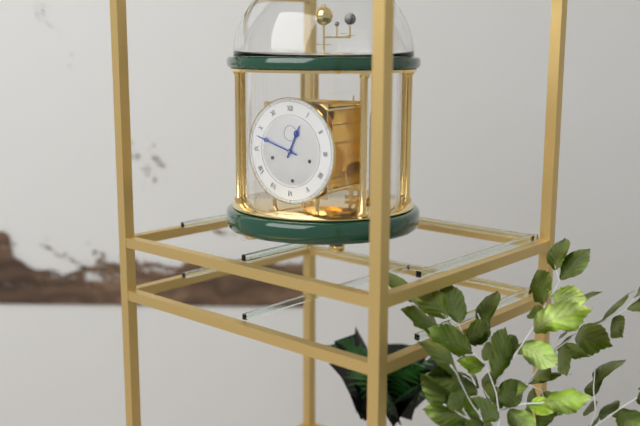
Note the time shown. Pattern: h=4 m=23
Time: h=12 m=48
